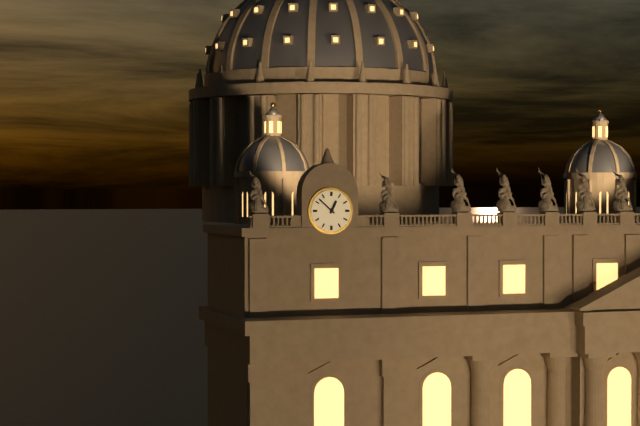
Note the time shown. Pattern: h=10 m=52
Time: h=12 m=52
